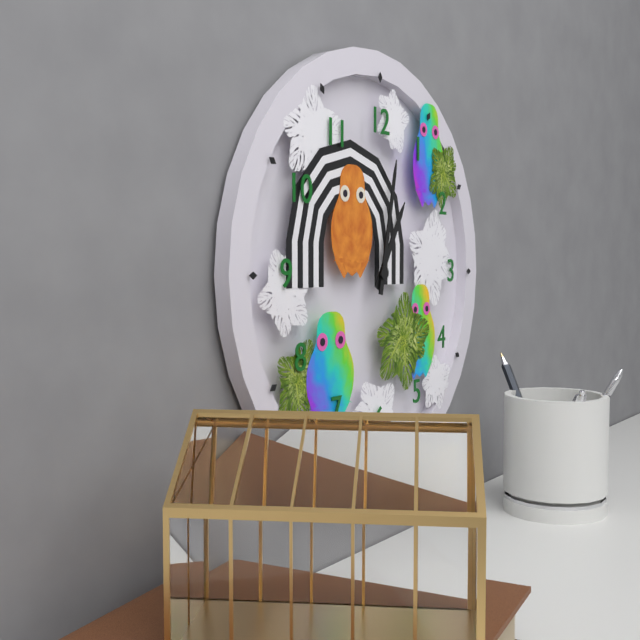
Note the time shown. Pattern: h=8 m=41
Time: h=1 m=2
